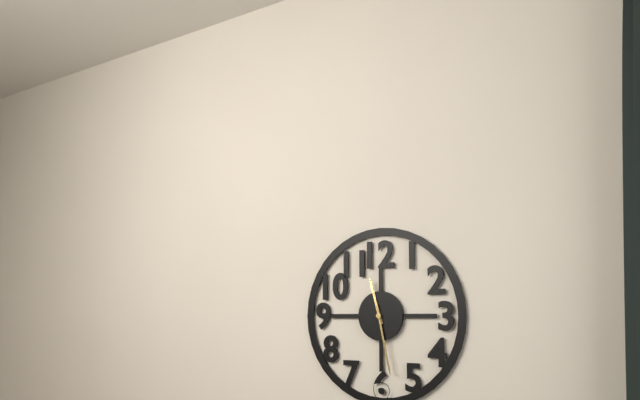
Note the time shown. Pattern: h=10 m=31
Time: h=11 m=28
